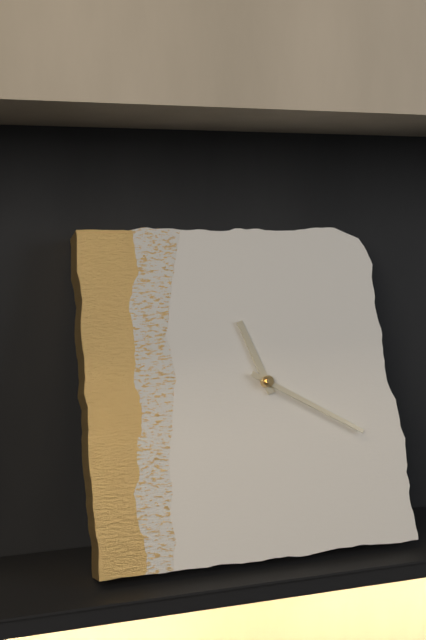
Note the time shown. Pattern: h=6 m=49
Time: h=11 m=20
